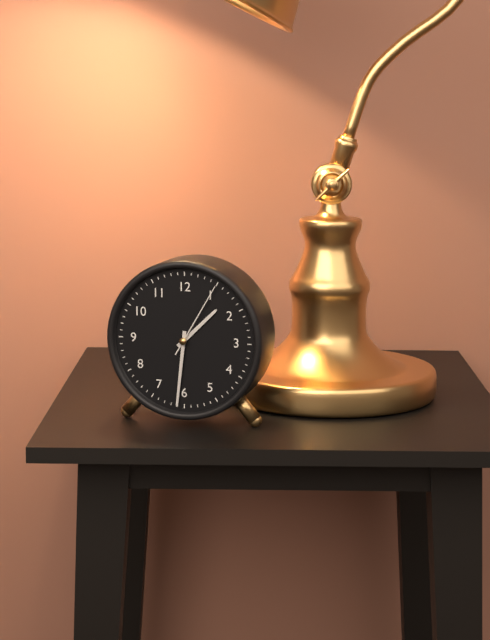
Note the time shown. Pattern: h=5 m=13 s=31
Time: h=1 m=31 s=5
